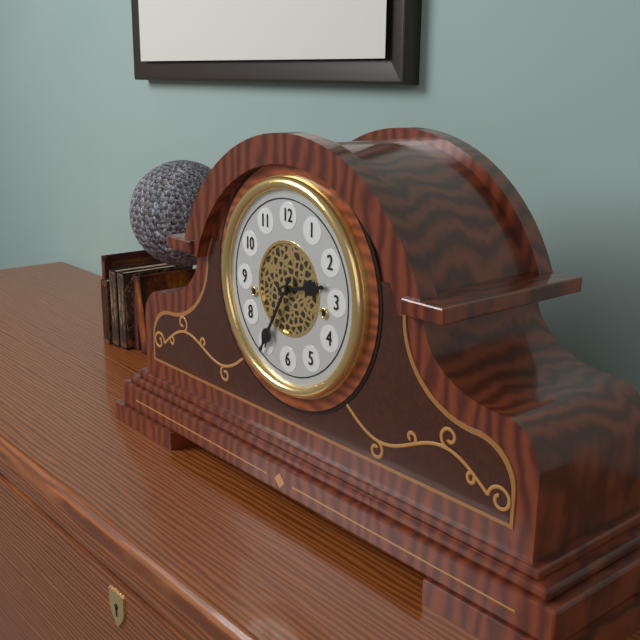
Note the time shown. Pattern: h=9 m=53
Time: h=2 m=35
